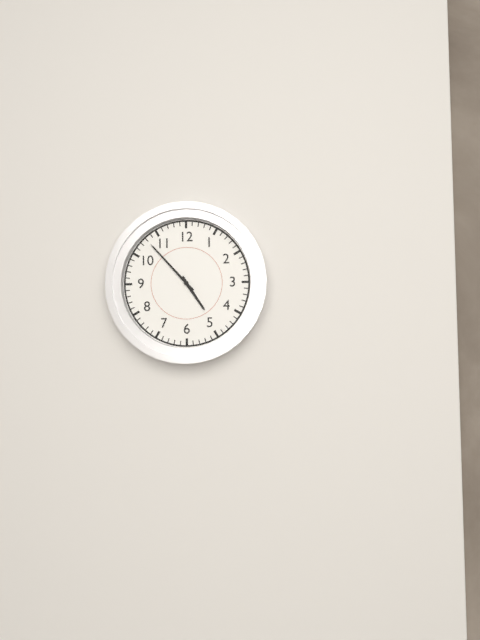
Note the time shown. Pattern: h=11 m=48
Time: h=4 m=53
